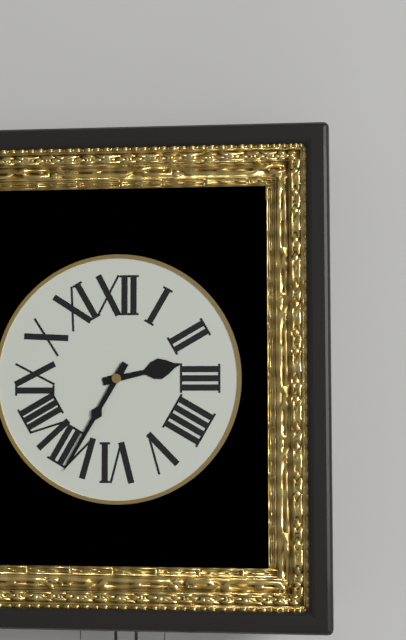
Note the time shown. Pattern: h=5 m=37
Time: h=2 m=35
